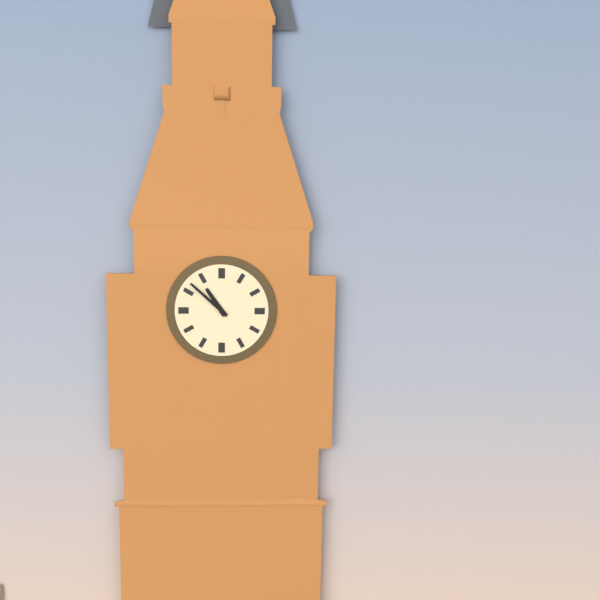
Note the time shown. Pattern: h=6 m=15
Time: h=10 m=52
